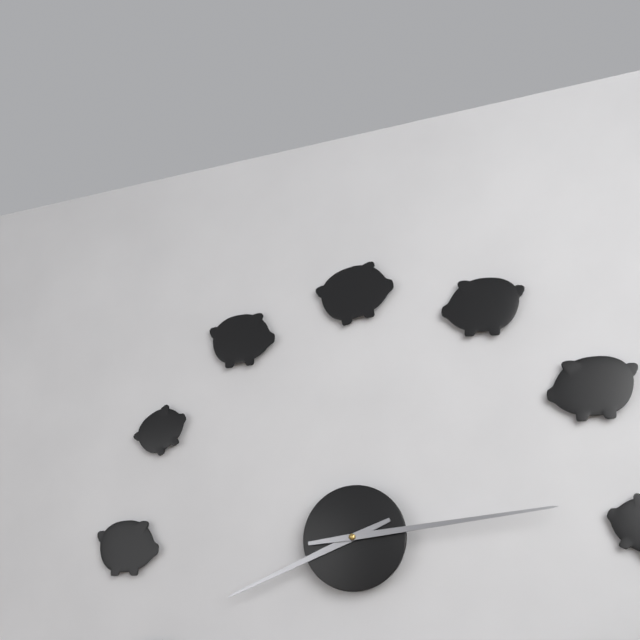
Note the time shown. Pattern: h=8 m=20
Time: h=8 m=14
